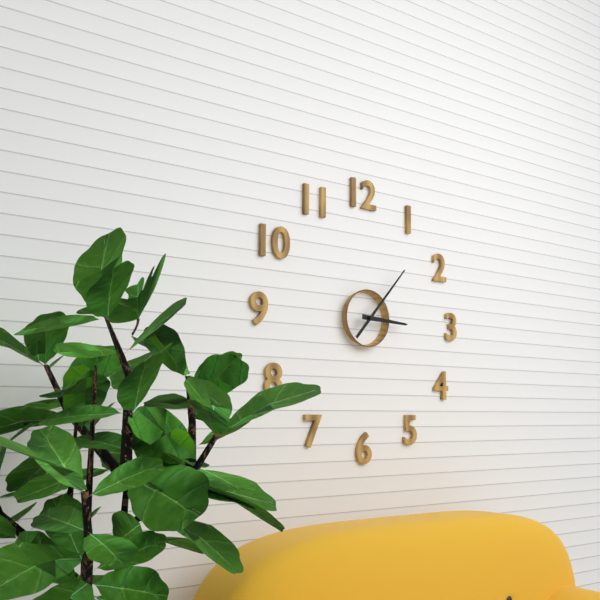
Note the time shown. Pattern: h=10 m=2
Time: h=3 m=7
